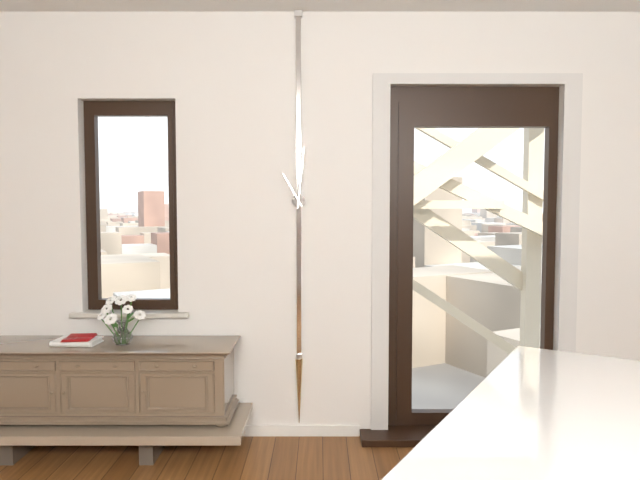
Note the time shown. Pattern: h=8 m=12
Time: h=11 m=1
